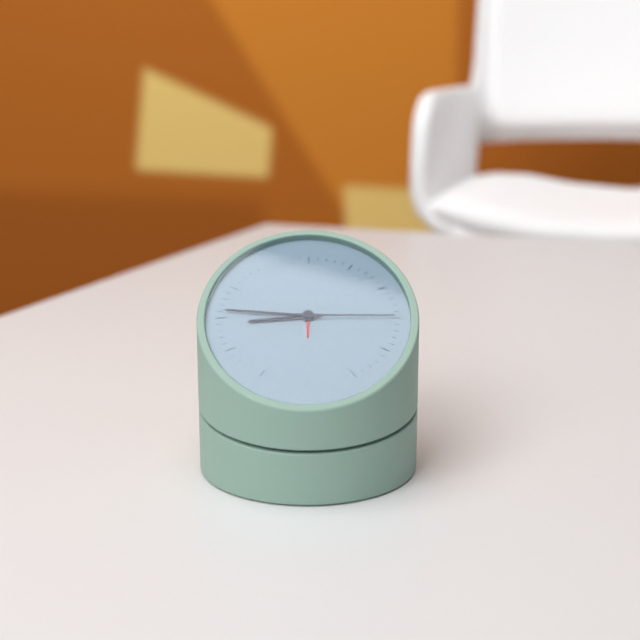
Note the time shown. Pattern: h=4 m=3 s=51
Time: h=8 m=46 s=15
